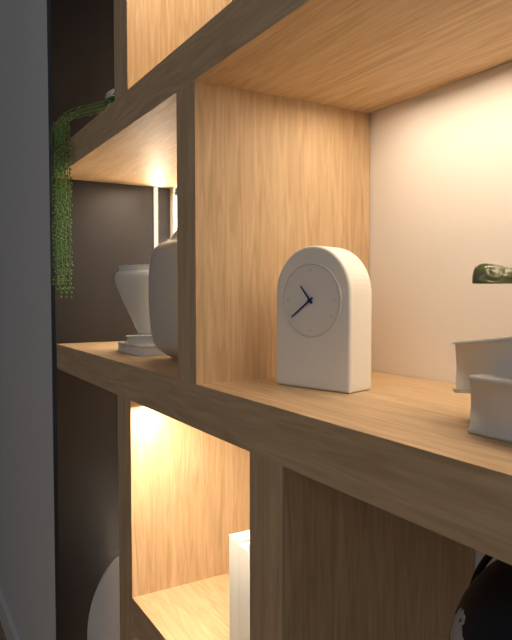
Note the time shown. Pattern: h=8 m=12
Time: h=10 m=39
